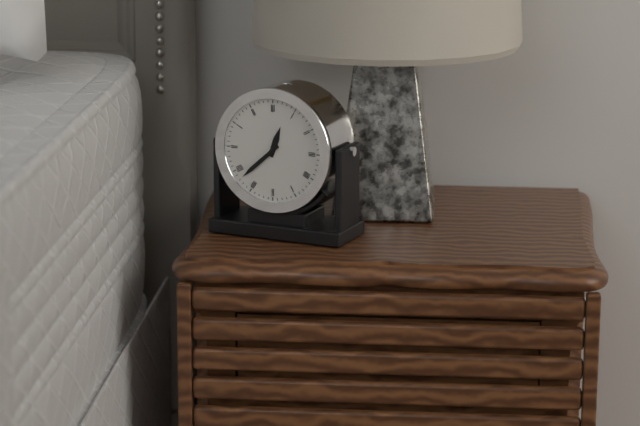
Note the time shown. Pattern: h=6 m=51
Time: h=12 m=38
